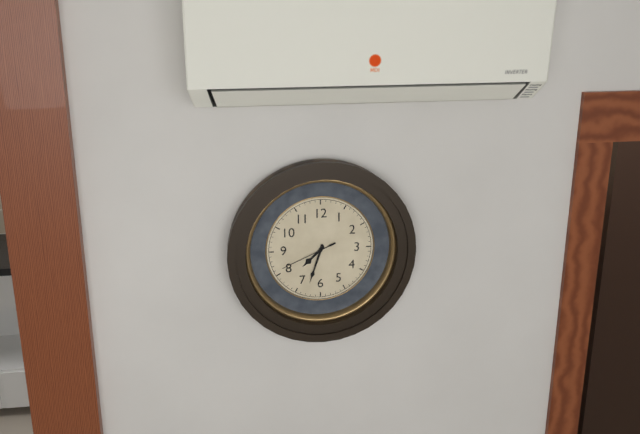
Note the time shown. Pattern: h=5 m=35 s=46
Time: h=7 m=33 s=41
